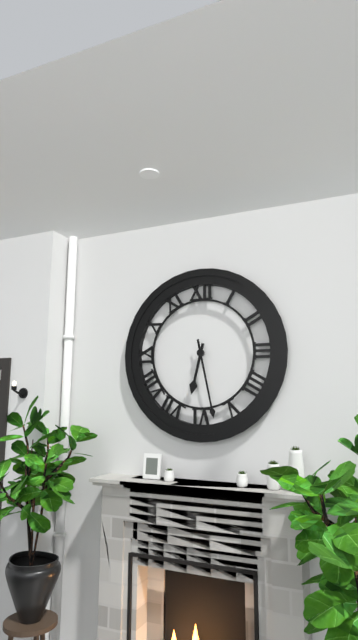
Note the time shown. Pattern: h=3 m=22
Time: h=6 m=28
